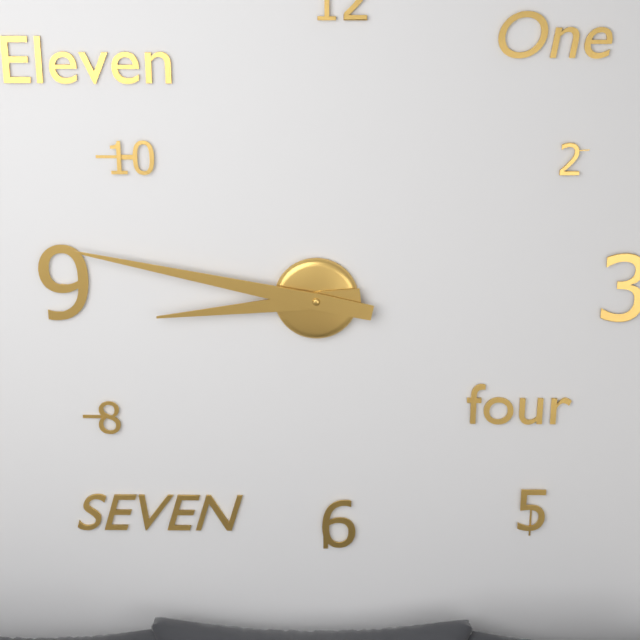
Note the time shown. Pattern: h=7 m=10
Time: h=8 m=47
